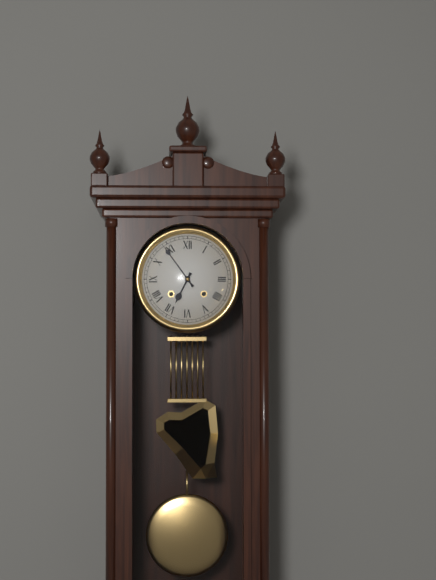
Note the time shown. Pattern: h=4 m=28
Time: h=6 m=54
